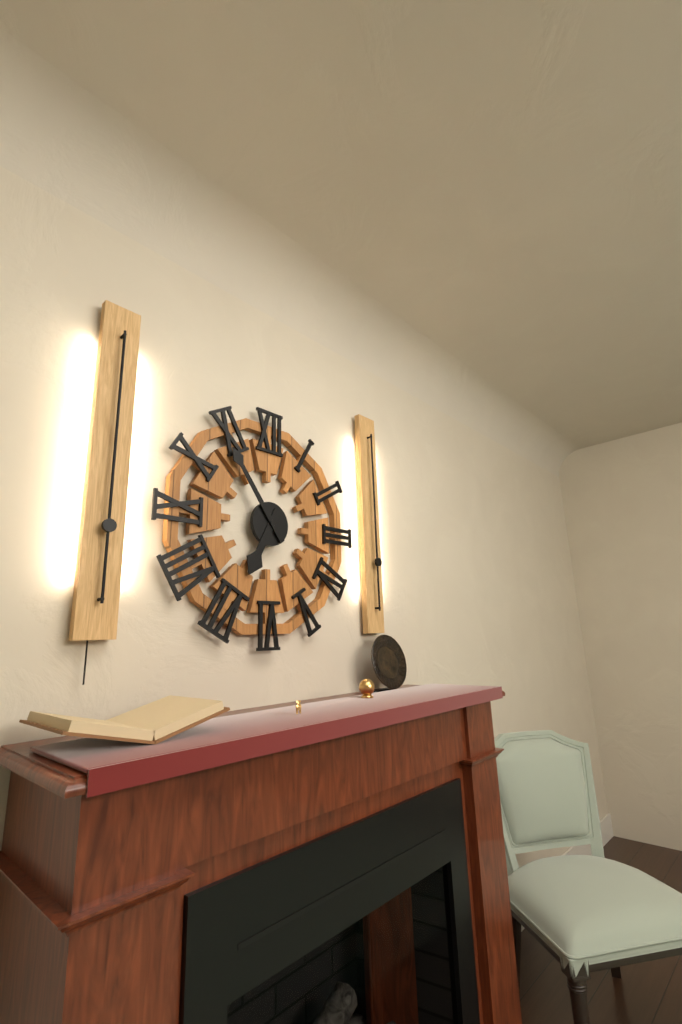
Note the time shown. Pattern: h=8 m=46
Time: h=6 m=54
